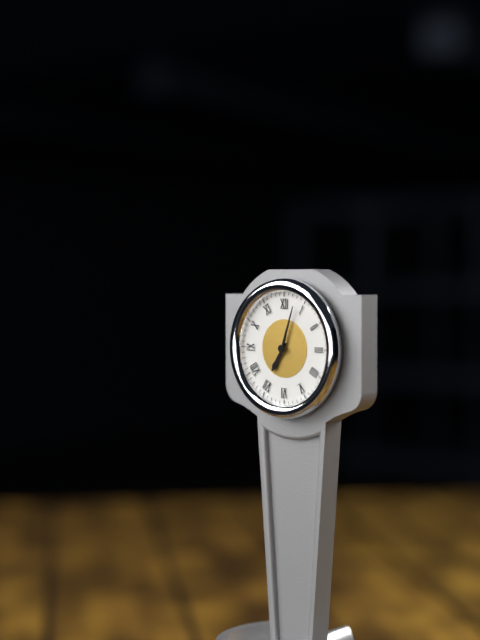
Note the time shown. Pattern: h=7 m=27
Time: h=7 m=3
